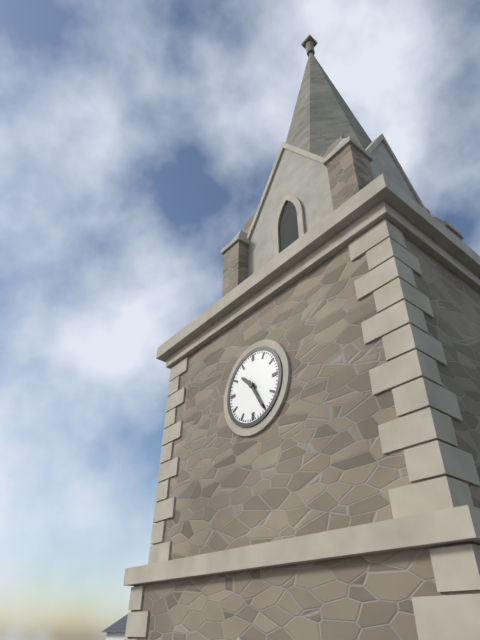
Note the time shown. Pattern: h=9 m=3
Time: h=10 m=25
